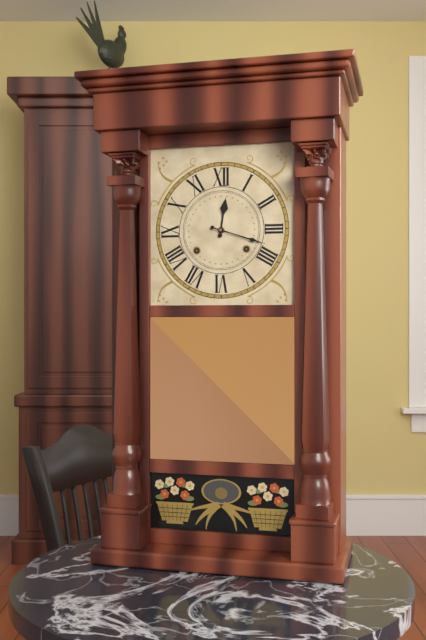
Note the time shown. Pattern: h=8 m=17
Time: h=12 m=18
